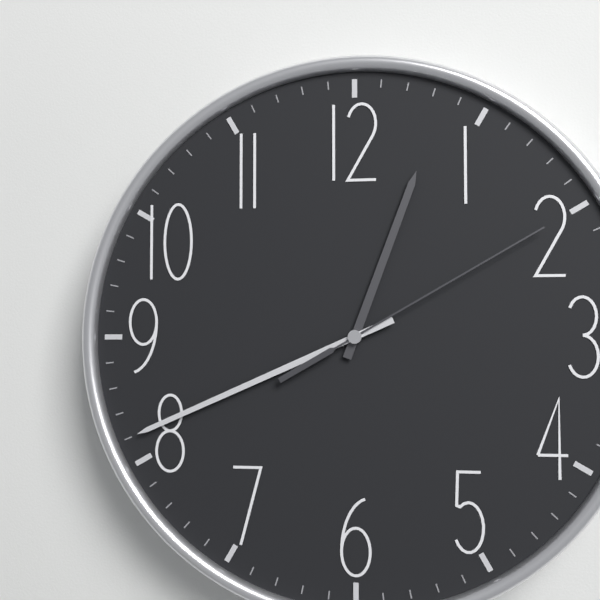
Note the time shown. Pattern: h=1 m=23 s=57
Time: h=12 m=41 s=10
